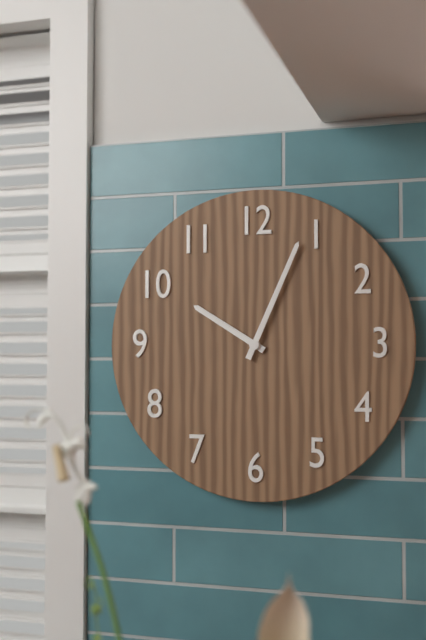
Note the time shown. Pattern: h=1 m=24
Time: h=10 m=4
